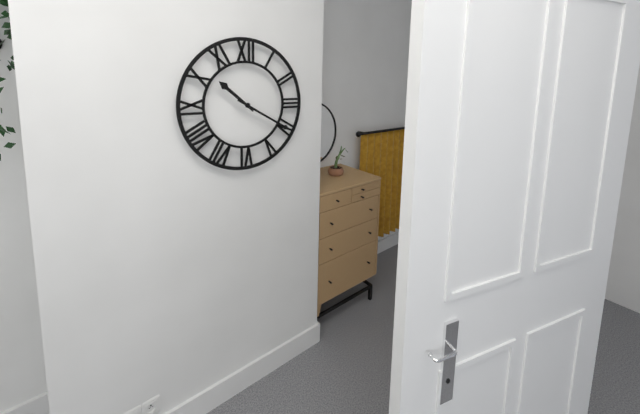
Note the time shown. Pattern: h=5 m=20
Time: h=10 m=20
